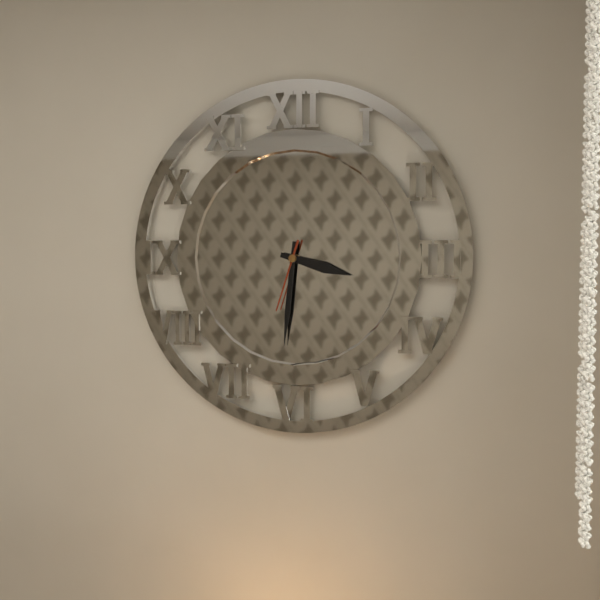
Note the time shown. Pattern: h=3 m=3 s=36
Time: h=3 m=31 s=33
